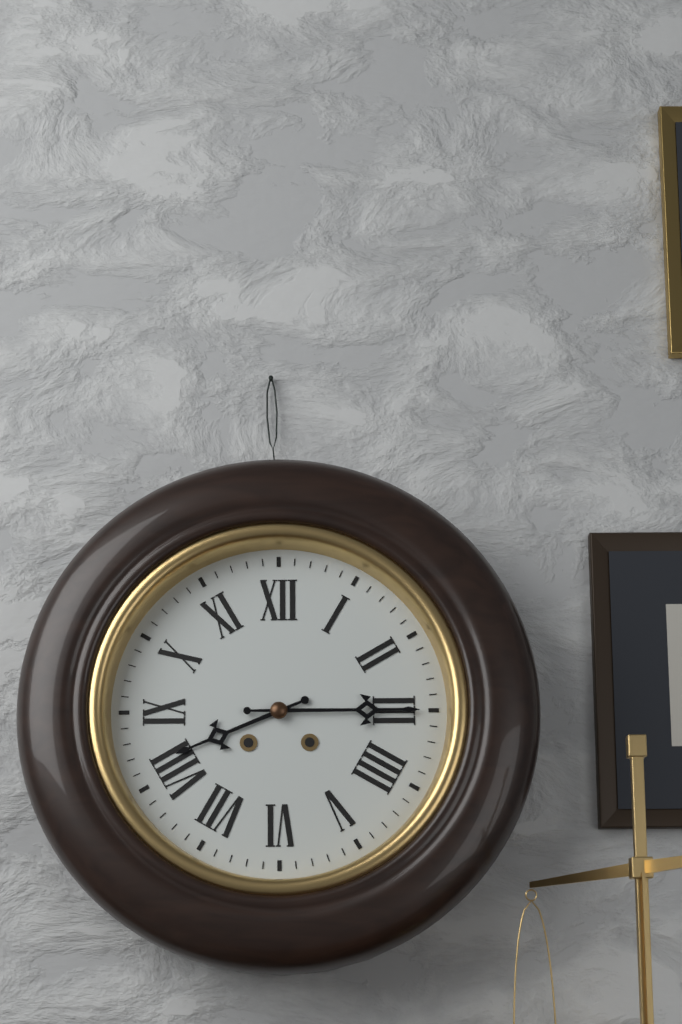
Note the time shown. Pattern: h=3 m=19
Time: h=8 m=15
